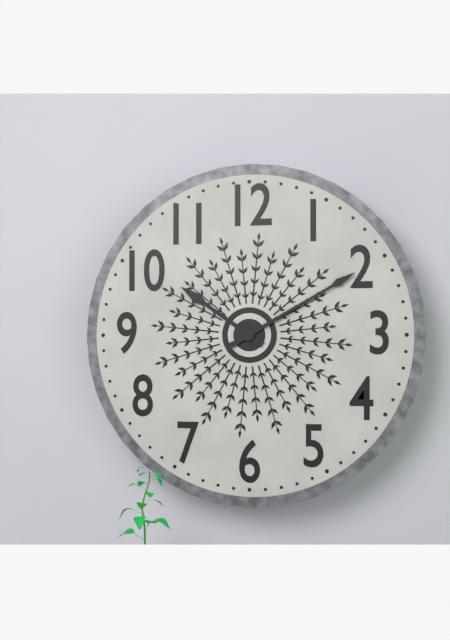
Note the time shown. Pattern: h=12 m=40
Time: h=10 m=10
